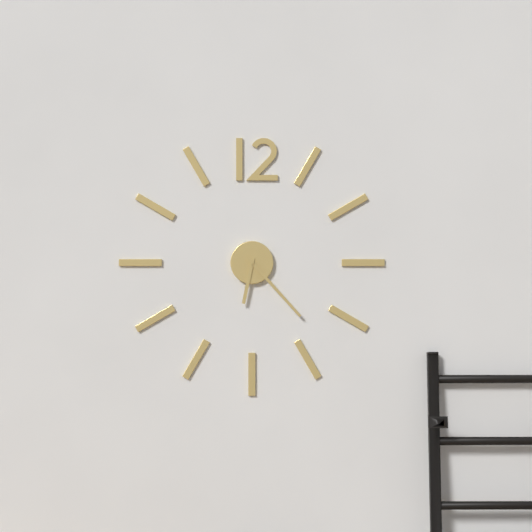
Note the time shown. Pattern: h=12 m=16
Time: h=6 m=23
